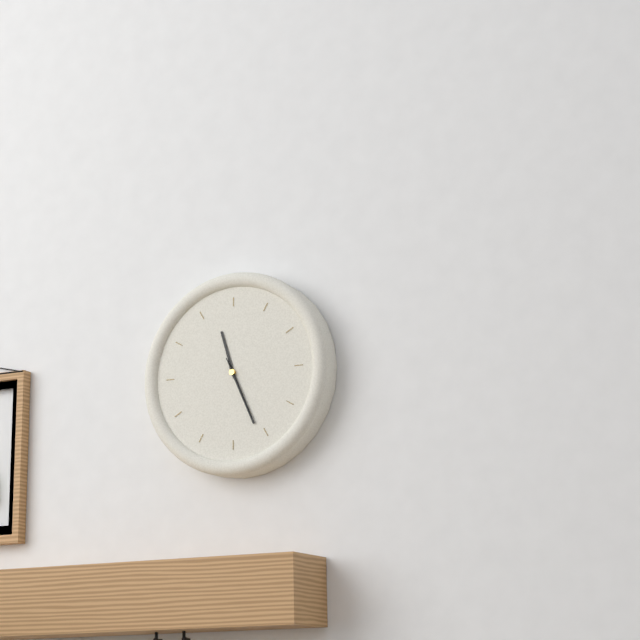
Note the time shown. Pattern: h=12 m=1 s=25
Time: h=11 m=26 s=26
